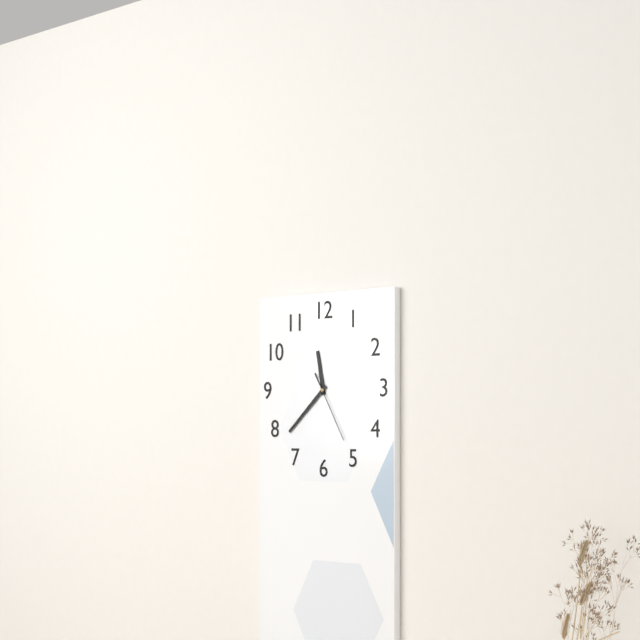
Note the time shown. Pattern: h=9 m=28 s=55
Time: h=11 m=38 s=25
